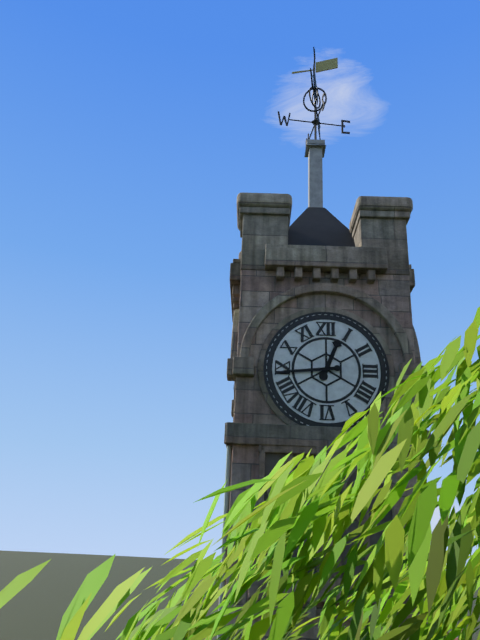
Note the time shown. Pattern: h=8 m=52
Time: h=12 m=44
